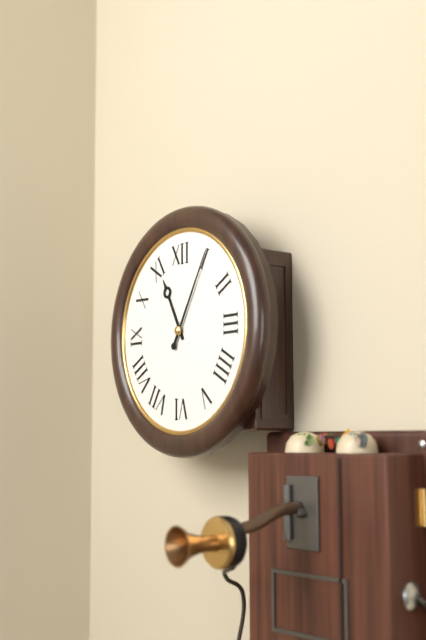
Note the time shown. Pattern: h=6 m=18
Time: h=11 m=5
